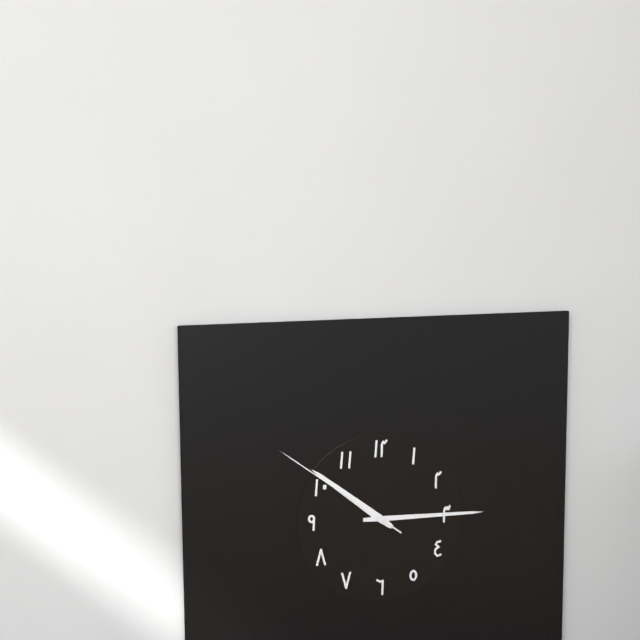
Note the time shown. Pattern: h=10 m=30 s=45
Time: h=10 m=15 s=51
